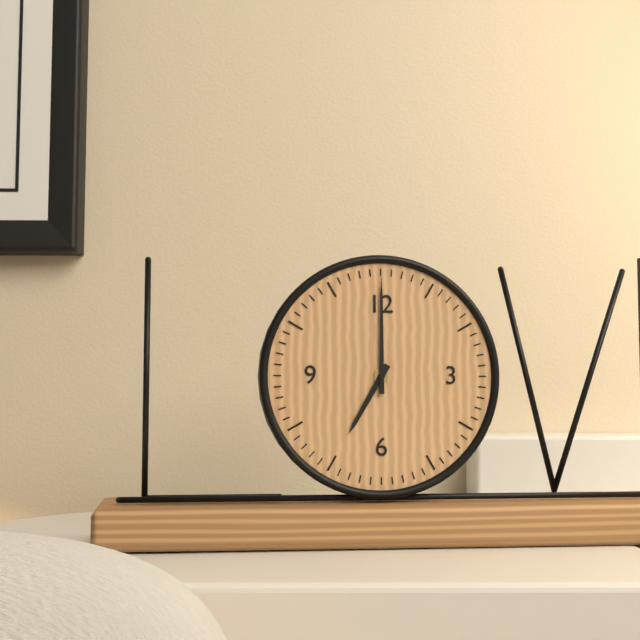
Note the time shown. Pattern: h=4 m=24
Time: h=7 m=0
